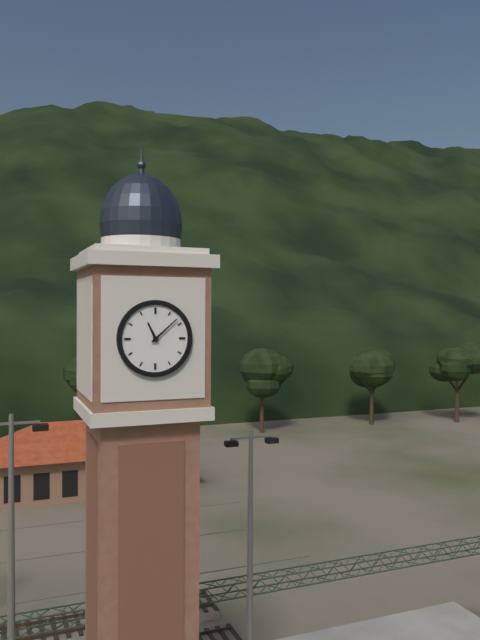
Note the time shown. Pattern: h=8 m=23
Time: h=11 m=8
